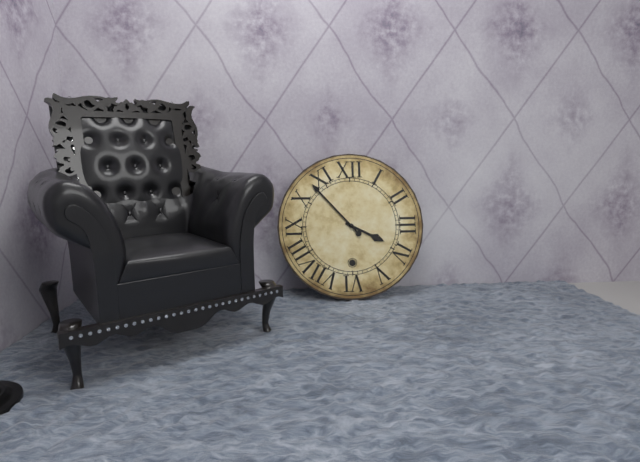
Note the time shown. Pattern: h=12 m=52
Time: h=3 m=53
